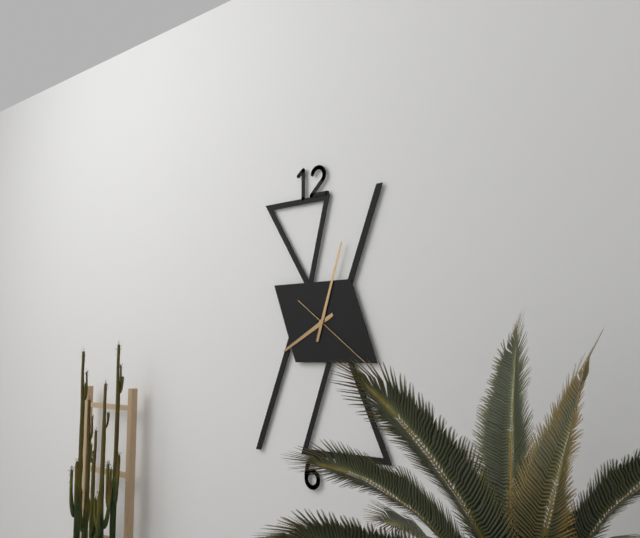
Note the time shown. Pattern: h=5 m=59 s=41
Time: h=8 m=3 s=21
